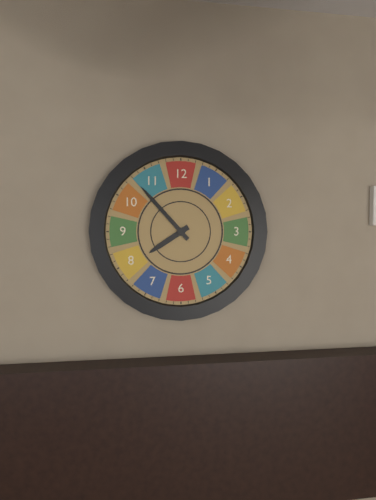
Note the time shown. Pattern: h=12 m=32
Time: h=7 m=53
